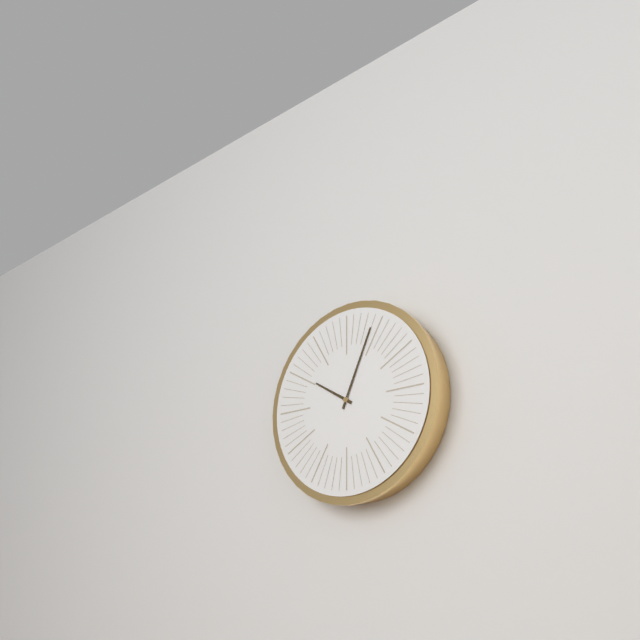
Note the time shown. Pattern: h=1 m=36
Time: h=10 m=4
